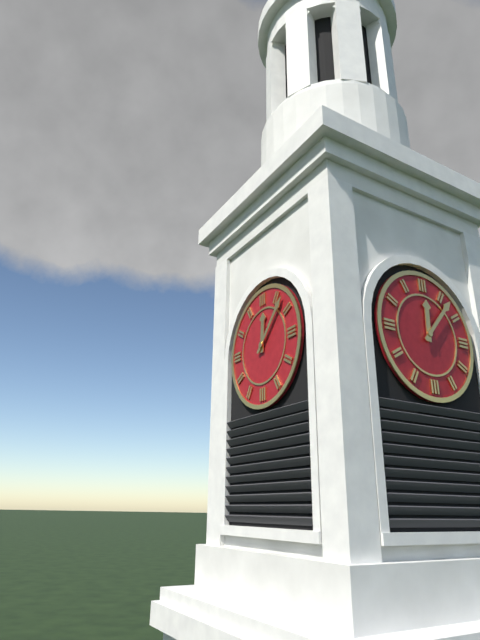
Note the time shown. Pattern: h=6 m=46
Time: h=12 m=7
